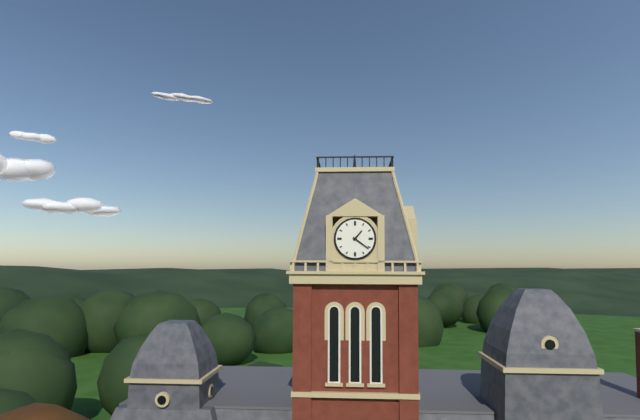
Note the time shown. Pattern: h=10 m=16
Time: h=1 m=21
